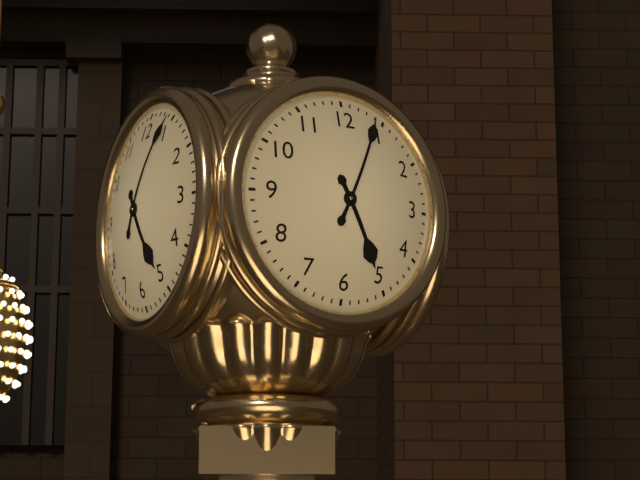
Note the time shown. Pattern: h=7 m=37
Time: h=5 m=4
